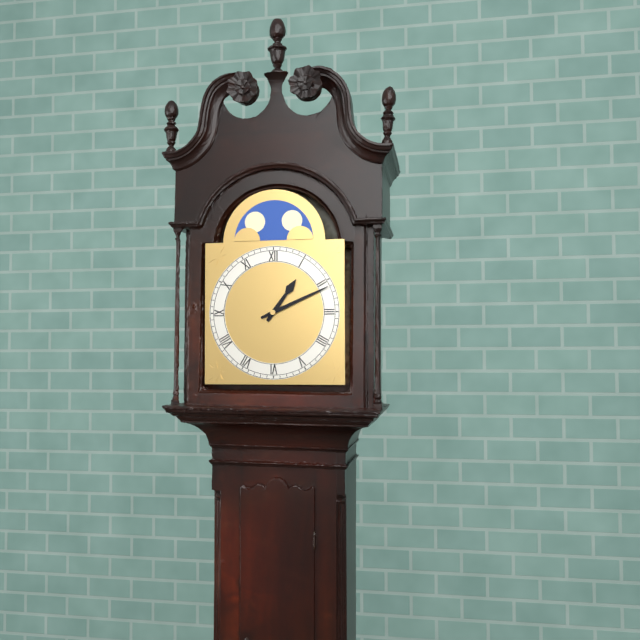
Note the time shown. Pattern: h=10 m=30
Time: h=1 m=11
